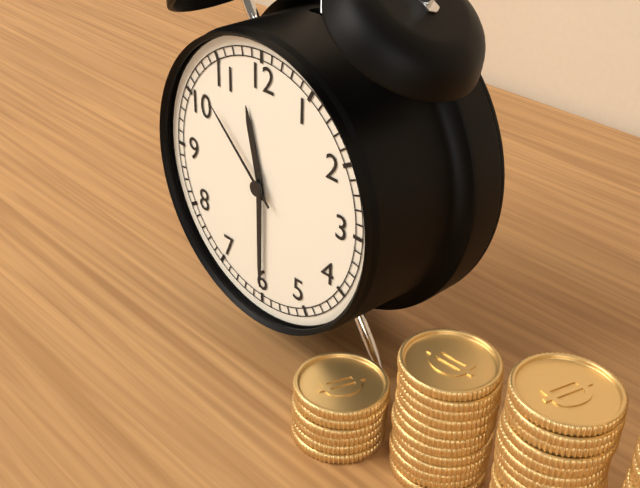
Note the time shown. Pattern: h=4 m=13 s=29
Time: h=11 m=30 s=52
